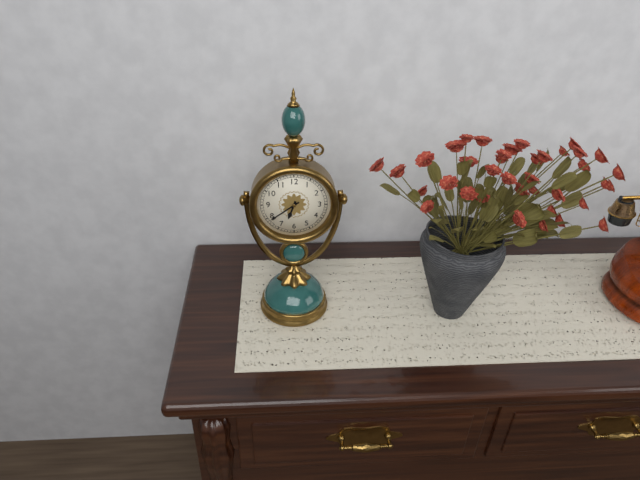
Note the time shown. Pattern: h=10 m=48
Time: h=6 m=39
